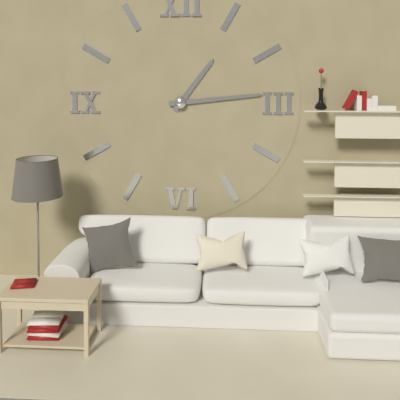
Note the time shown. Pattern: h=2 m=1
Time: h=1 m=14
